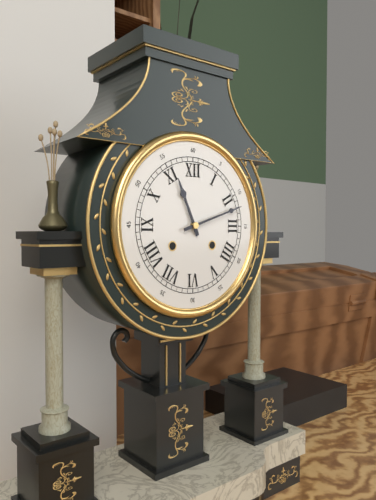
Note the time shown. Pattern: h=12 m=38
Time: h=11 m=12
